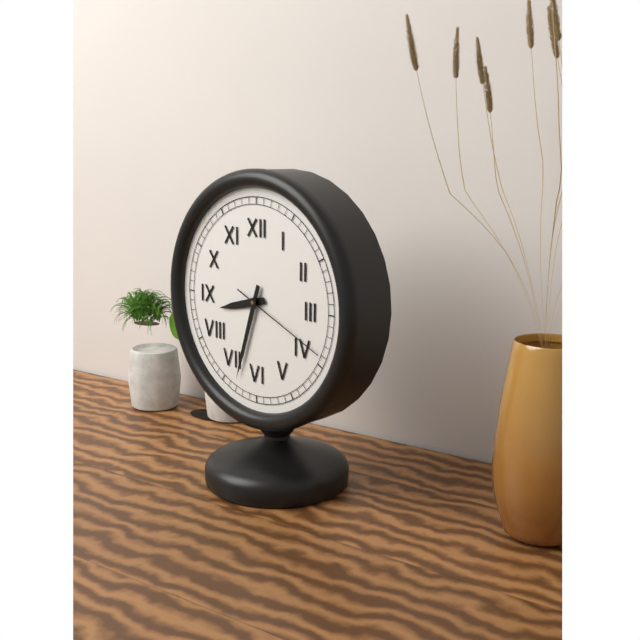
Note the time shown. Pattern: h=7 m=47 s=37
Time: h=8 m=33 s=19
